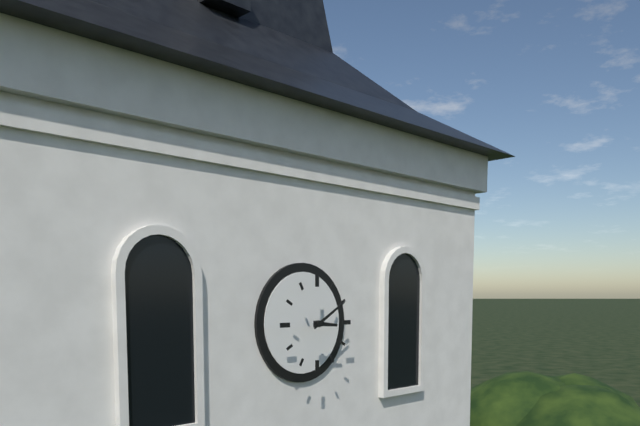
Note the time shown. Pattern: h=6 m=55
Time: h=3 m=10
